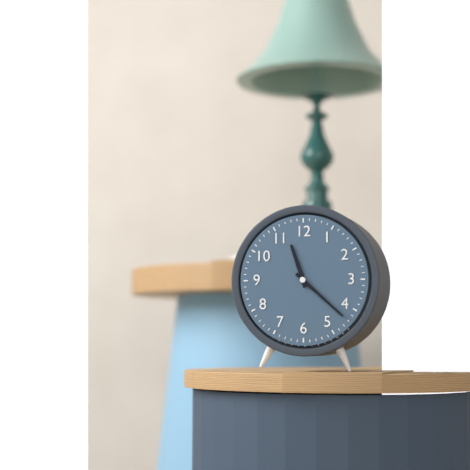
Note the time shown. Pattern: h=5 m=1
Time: h=11 m=22
